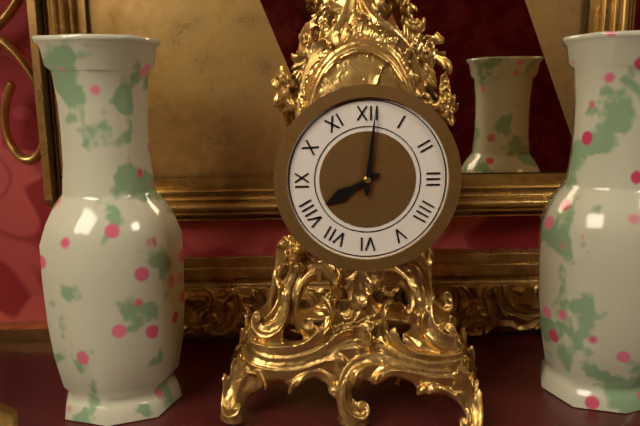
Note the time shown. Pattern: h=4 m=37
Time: h=8 m=1
